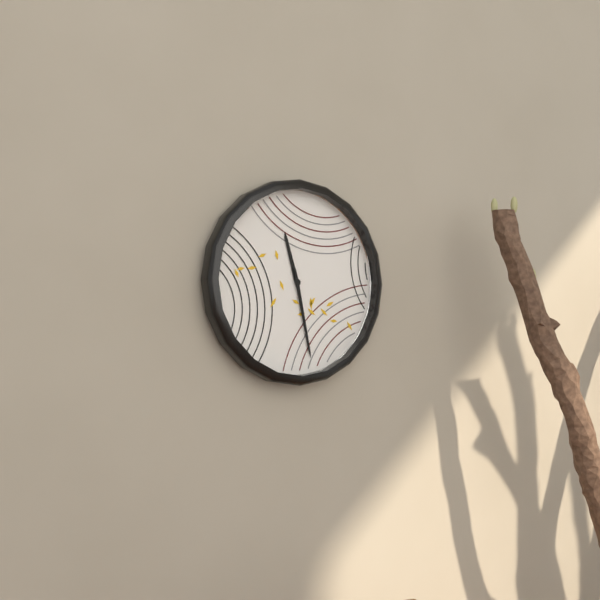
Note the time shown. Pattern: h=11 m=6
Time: h=11 m=28
